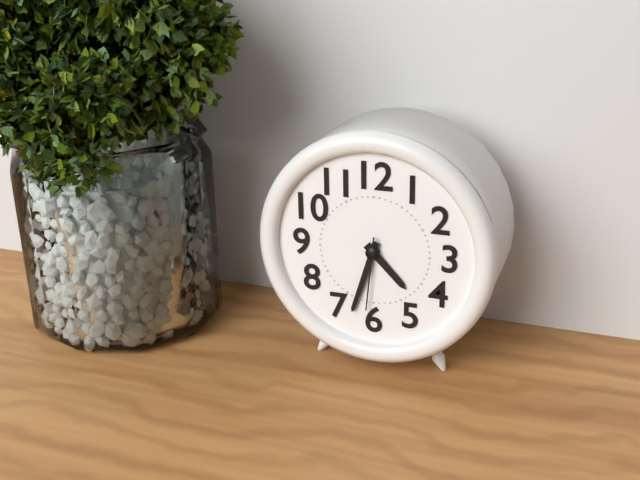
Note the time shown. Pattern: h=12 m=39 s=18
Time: h=4 m=33 s=31
